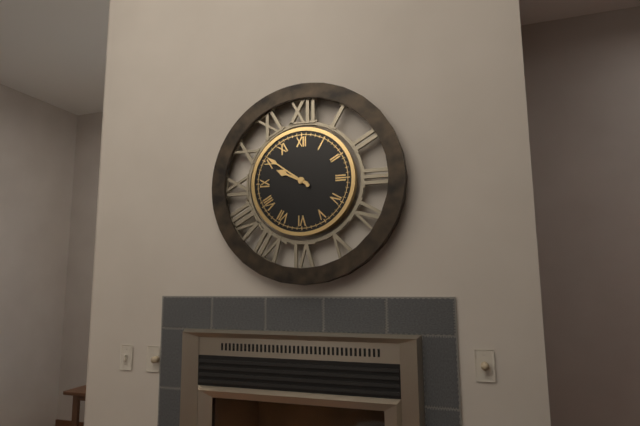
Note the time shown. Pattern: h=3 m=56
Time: h=9 m=51
